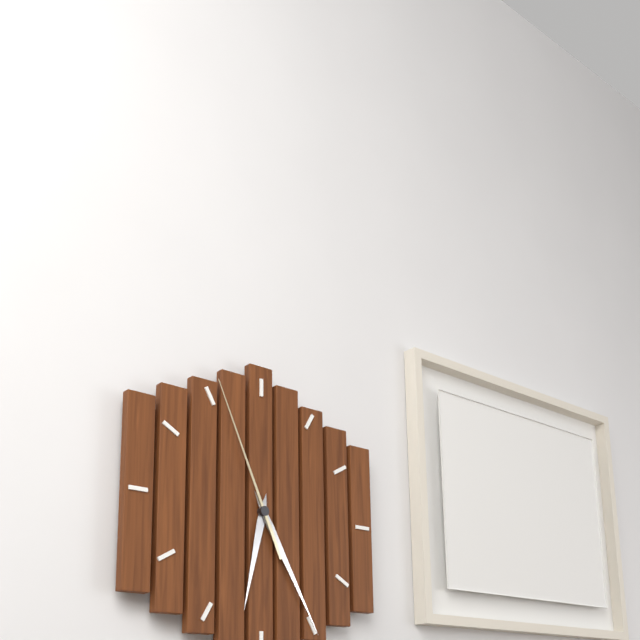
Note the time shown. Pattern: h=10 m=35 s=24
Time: h=6 m=25 s=56
